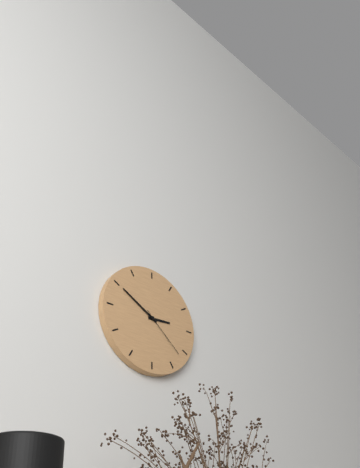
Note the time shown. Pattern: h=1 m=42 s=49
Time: h=2 m=50 s=22
